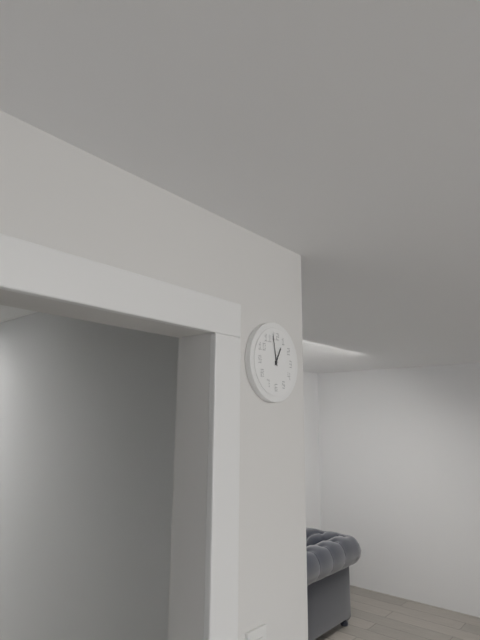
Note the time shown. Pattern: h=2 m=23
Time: h=12 m=58
